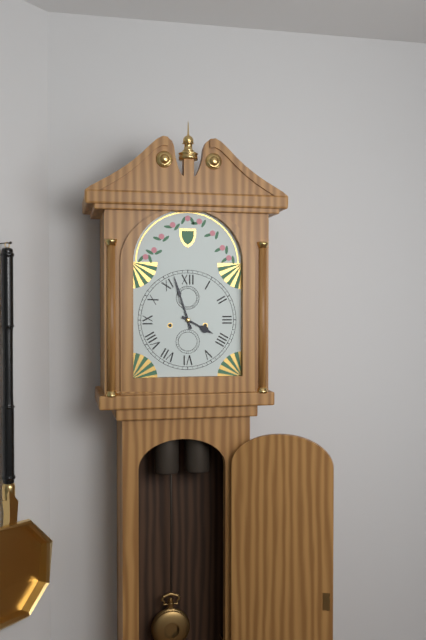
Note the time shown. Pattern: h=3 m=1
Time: h=3 m=57
